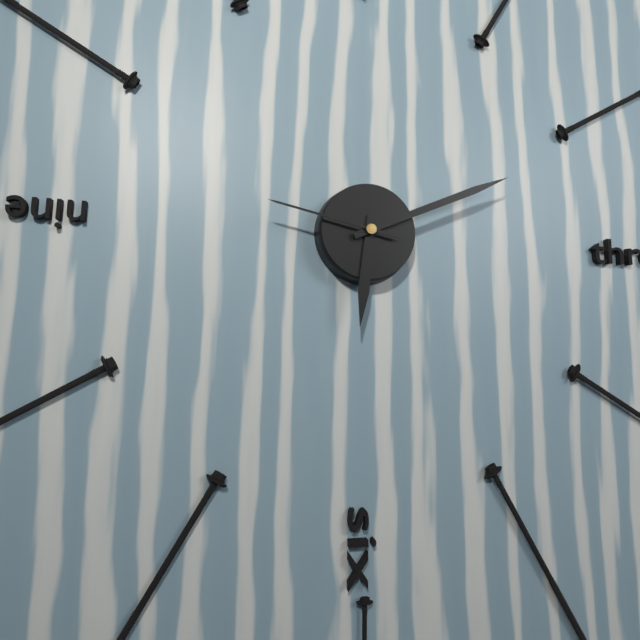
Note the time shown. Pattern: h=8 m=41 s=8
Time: h=6 m=11 s=47
